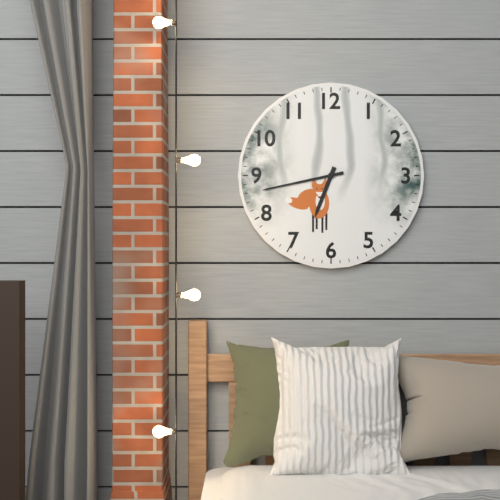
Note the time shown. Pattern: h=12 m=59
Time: h=6 m=43
